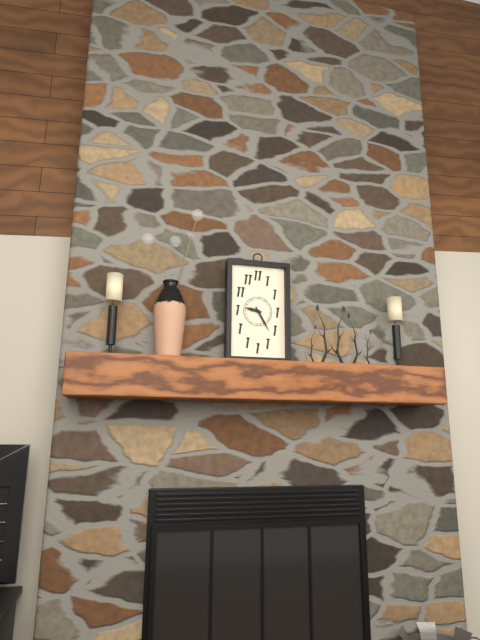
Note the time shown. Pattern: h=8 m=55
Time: h=9 m=25
